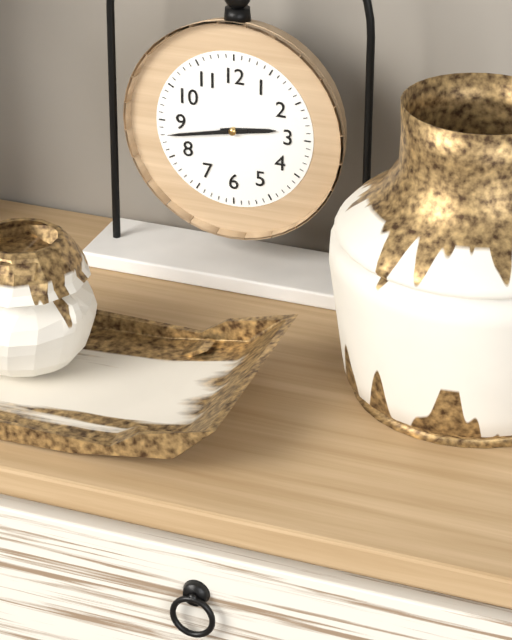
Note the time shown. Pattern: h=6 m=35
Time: h=2 m=43
